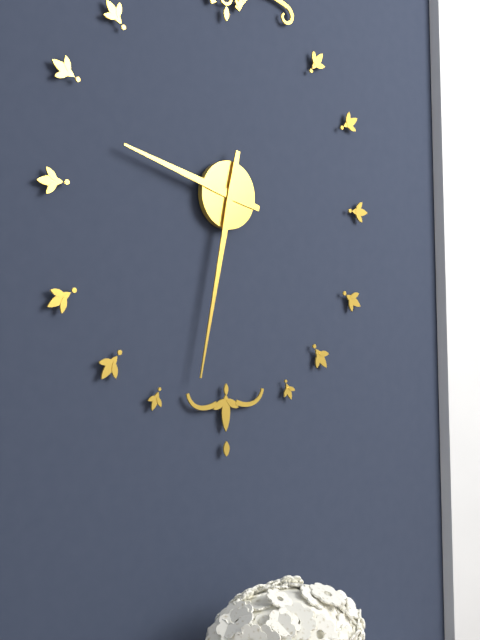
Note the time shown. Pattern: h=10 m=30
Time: h=9 m=32
